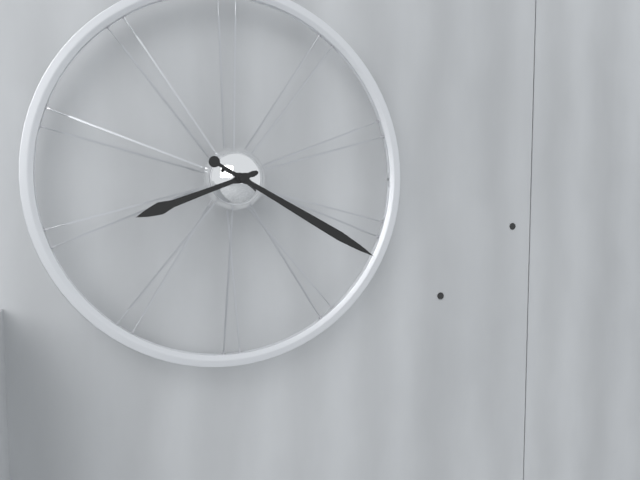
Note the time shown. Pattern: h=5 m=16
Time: h=8 m=20
